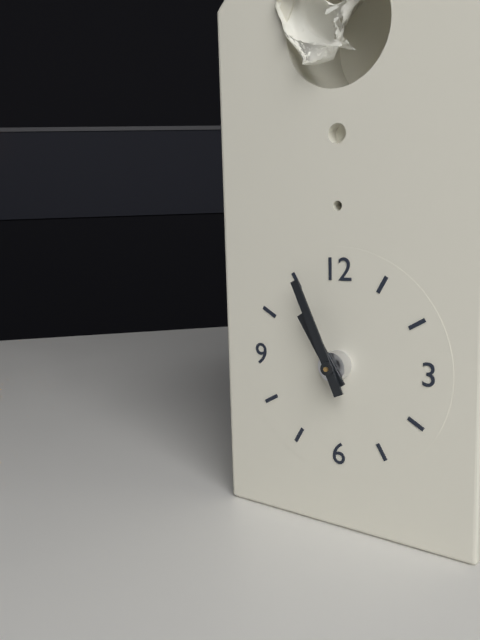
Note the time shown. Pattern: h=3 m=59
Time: h=10 m=56
